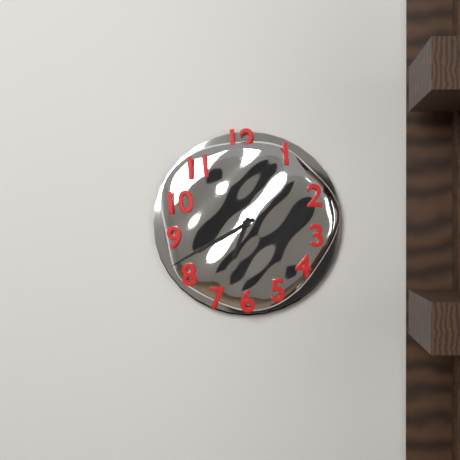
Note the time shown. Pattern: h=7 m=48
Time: h=6 m=40
